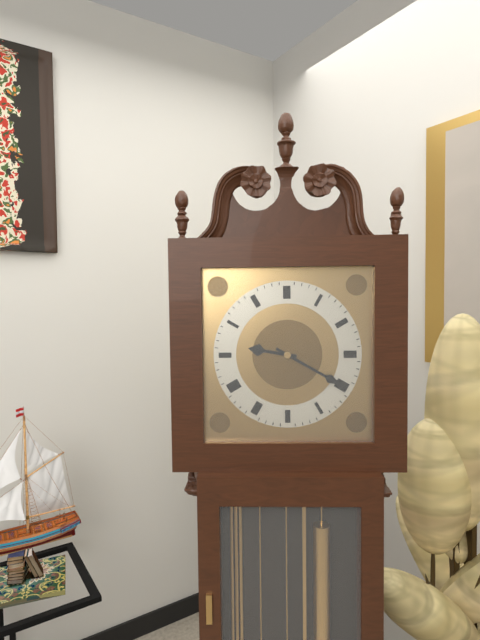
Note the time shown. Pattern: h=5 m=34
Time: h=9 m=20
